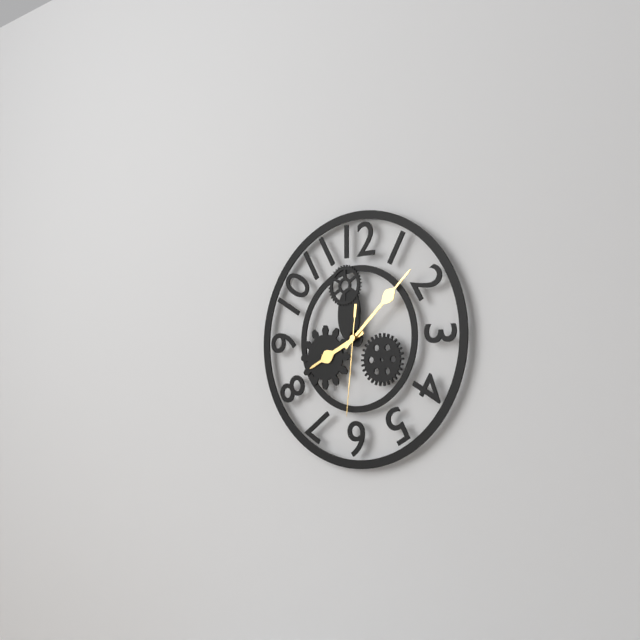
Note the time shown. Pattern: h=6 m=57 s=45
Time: h=8 m=8 s=31
